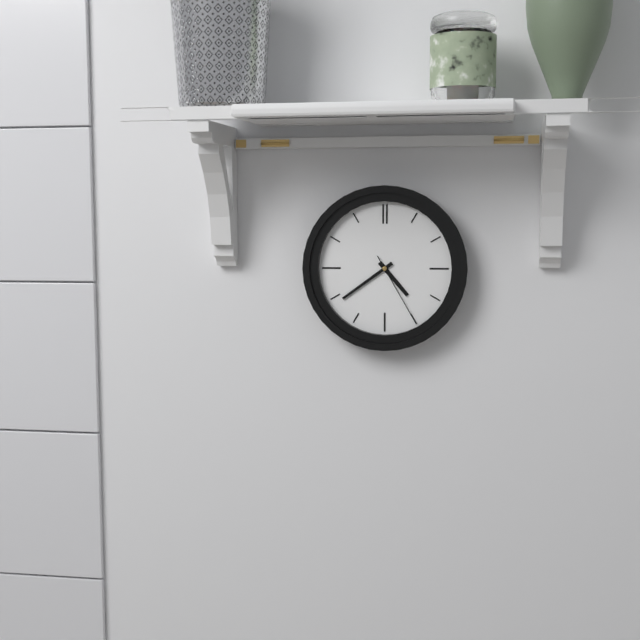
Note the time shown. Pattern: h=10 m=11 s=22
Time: h=4 m=39 s=25
